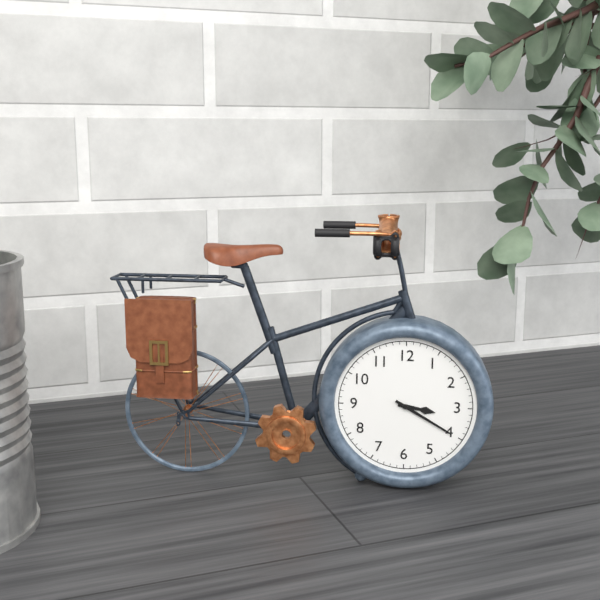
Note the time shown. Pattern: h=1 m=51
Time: h=3 m=20
